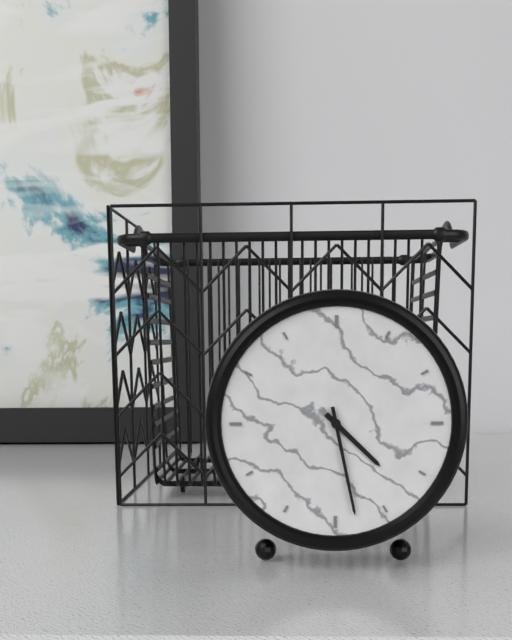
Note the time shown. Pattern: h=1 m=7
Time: h=4 m=28
